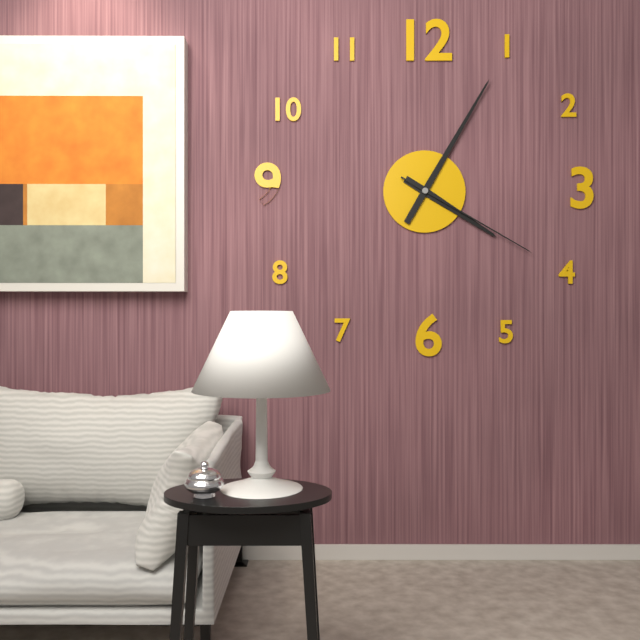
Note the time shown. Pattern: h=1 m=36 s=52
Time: h=4 m=5 s=20
